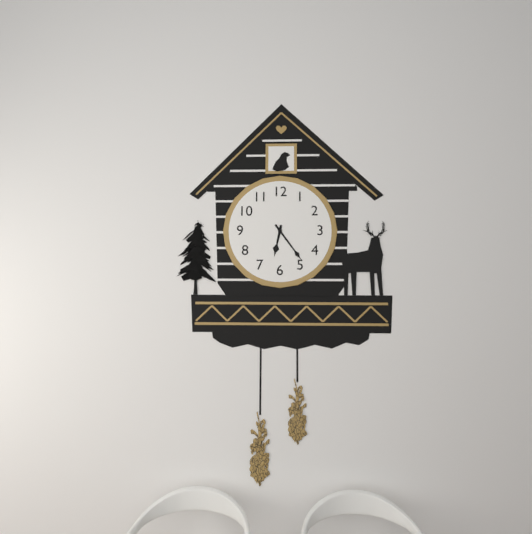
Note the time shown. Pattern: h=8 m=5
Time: h=6 m=24
